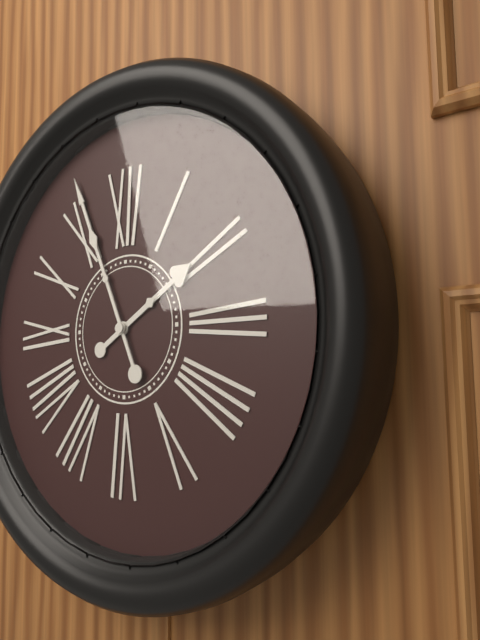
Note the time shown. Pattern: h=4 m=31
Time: h=1 m=56
